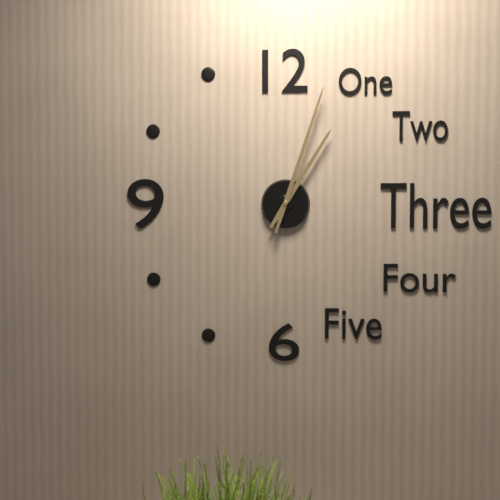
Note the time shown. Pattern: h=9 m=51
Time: h=1 m=3
